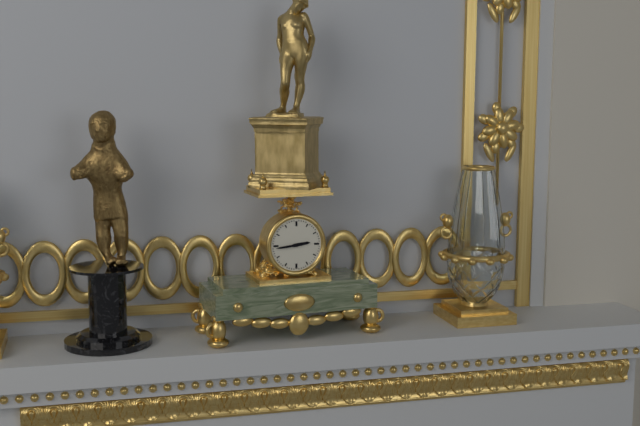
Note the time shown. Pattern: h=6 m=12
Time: h=2 m=44
